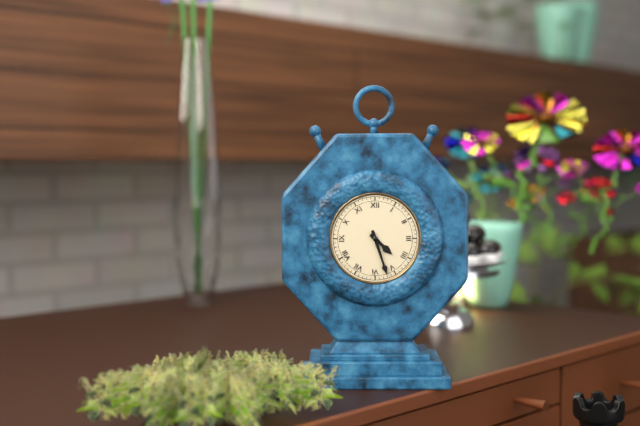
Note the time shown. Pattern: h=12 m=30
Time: h=4 m=27
